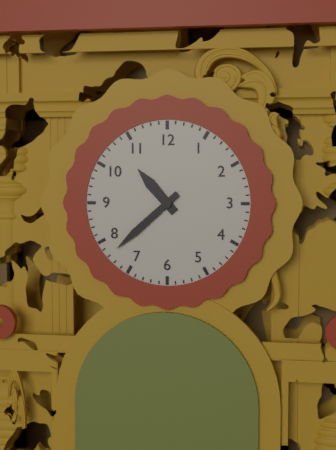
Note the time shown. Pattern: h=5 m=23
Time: h=10 m=38
